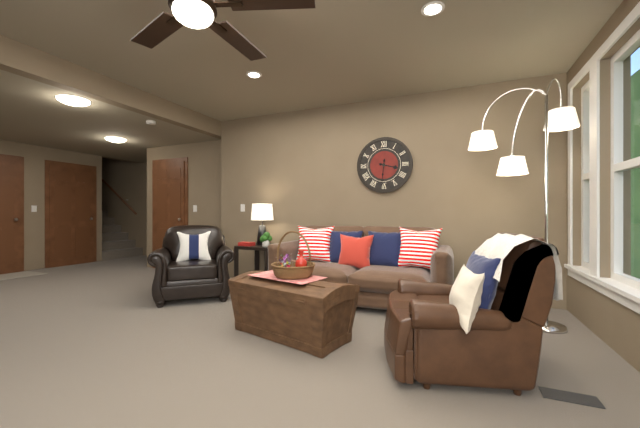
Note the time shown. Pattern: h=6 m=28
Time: h=3 m=31
